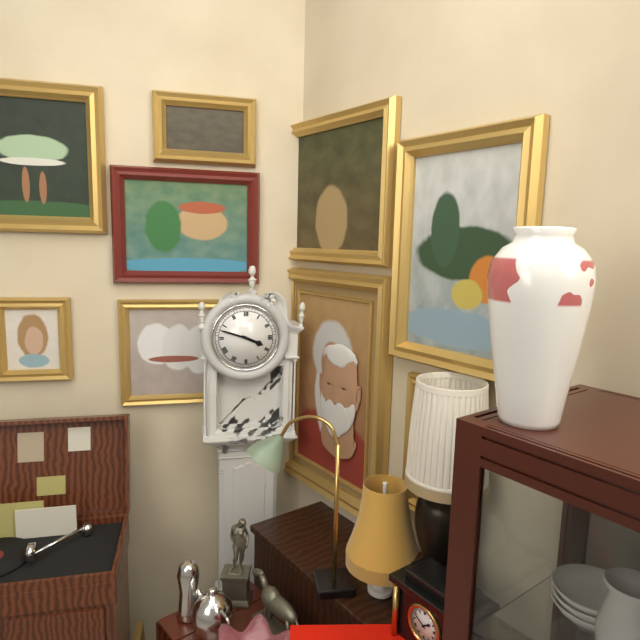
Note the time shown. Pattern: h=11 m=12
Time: h=3 m=48
